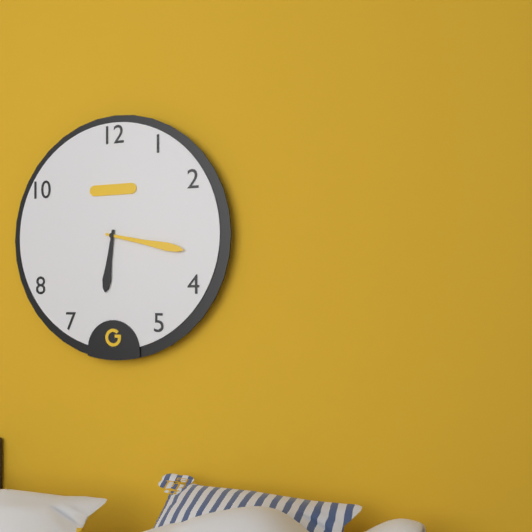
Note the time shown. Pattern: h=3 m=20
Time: h=6 m=17
